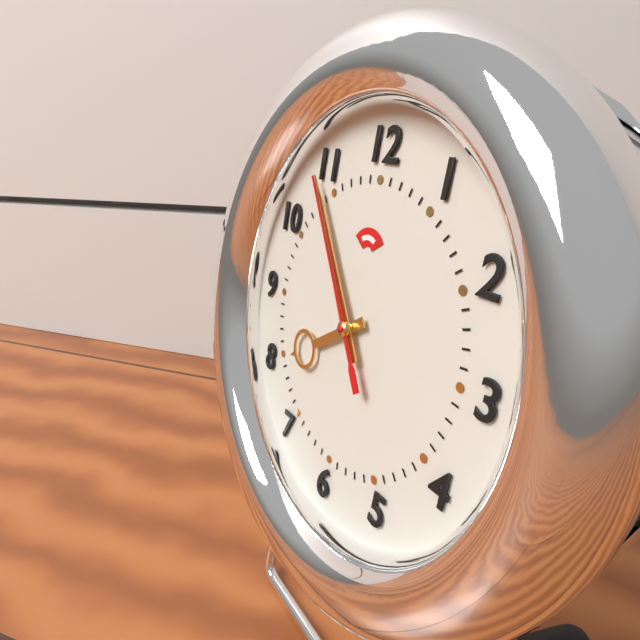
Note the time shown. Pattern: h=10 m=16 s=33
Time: h=7 m=54 s=54
